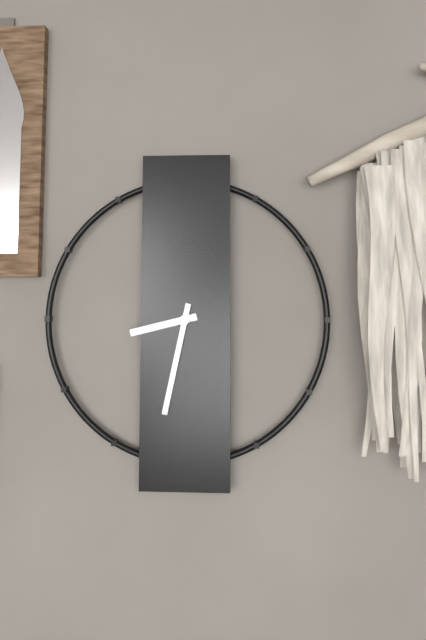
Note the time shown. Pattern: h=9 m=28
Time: h=8 m=32
